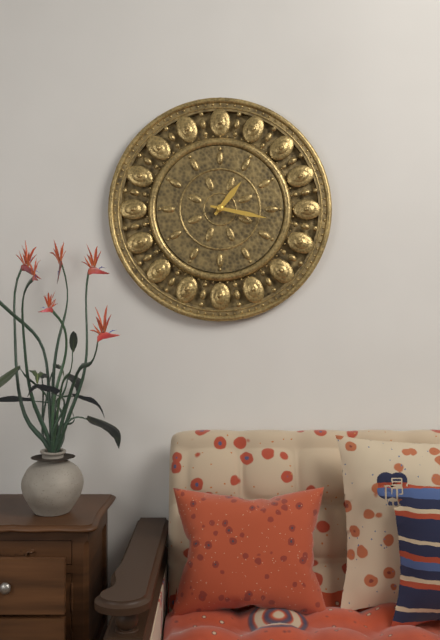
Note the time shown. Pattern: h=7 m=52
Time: h=1 m=17
